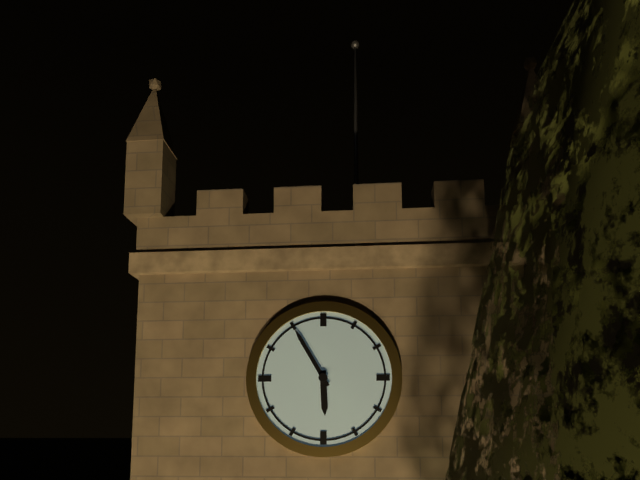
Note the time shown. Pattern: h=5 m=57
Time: h=5 m=55
